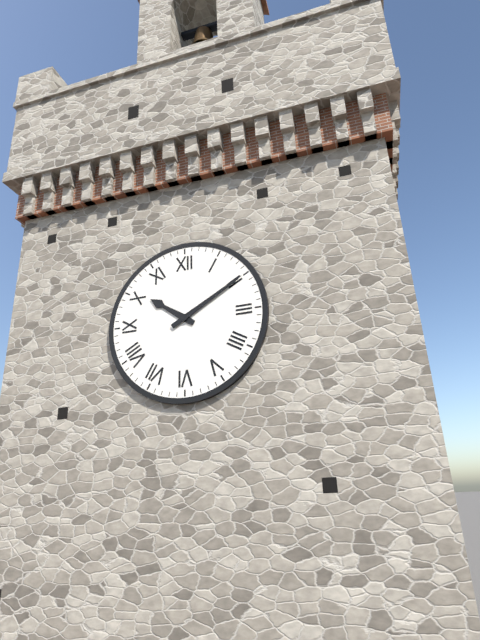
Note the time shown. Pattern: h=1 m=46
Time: h=10 m=10
